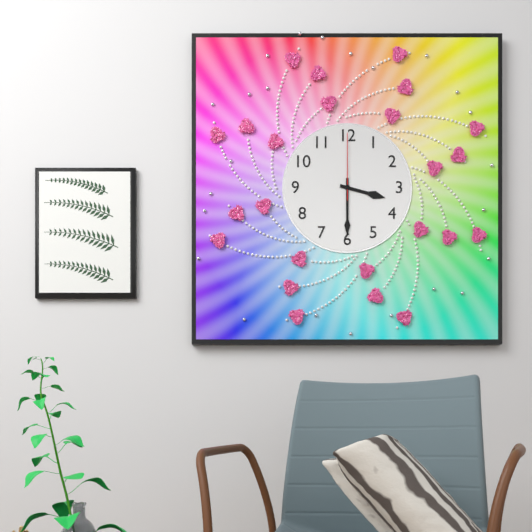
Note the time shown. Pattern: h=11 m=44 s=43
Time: h=3 m=30 s=0
